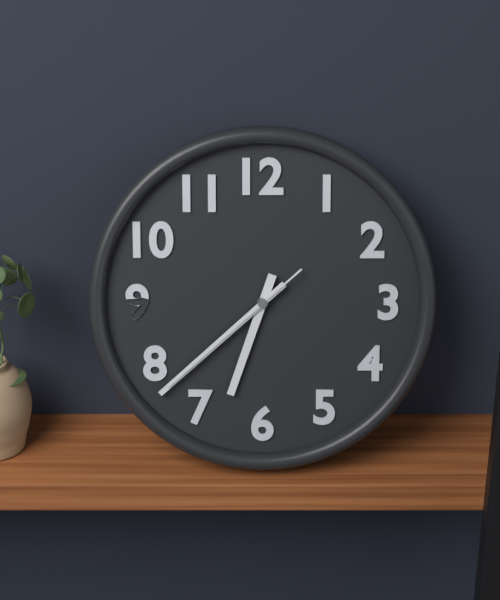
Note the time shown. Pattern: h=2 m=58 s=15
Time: h=6 m=38 s=38
